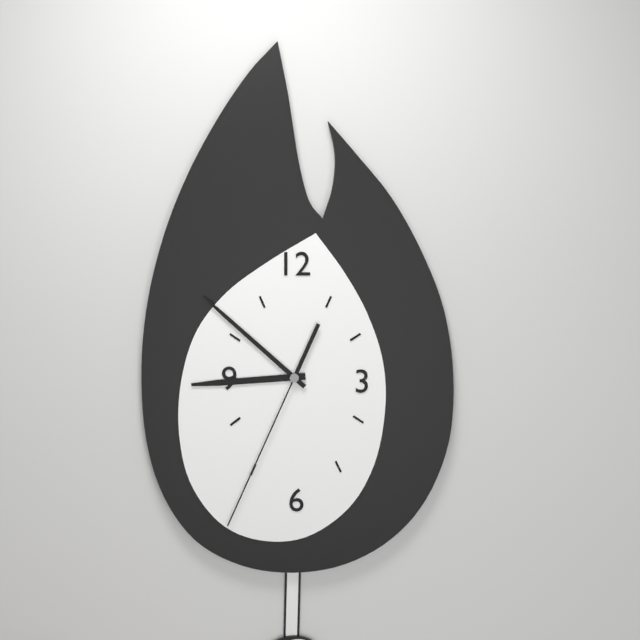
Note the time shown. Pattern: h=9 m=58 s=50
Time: h=8 m=52 s=34
